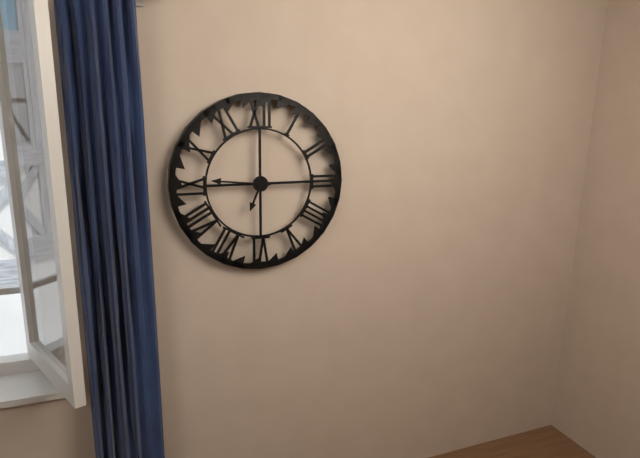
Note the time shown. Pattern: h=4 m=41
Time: h=6 m=46
